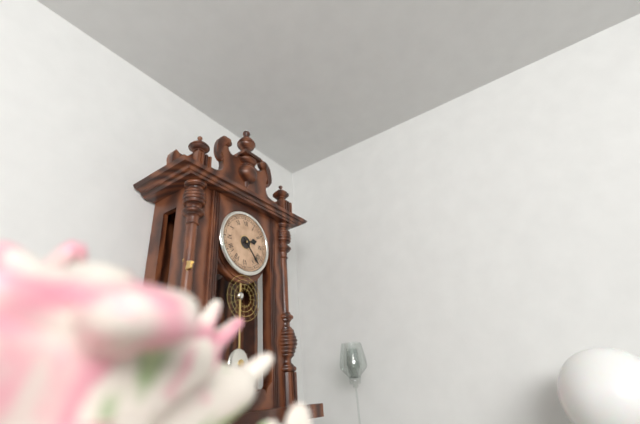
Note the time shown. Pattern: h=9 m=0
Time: h=2 m=23
